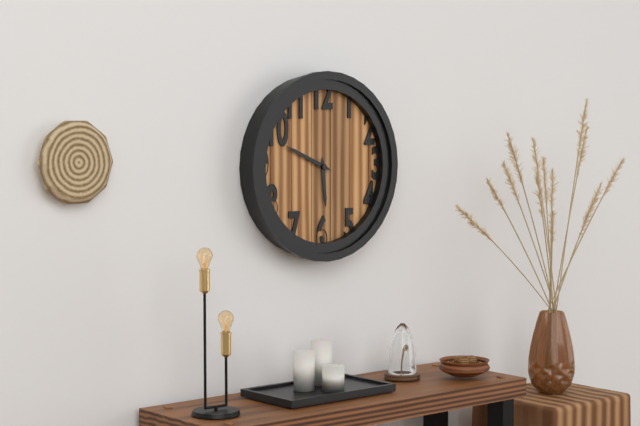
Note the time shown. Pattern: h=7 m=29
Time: h=5 m=49
